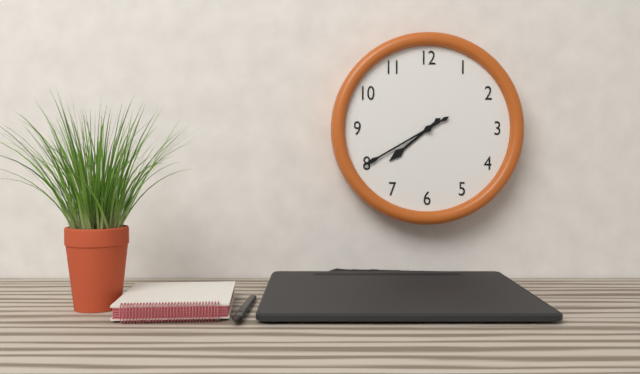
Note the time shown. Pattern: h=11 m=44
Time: h=7 m=40
